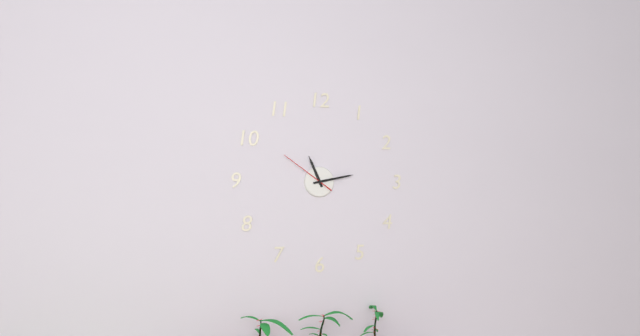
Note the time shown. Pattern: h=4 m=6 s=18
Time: h=11 m=13 s=51
